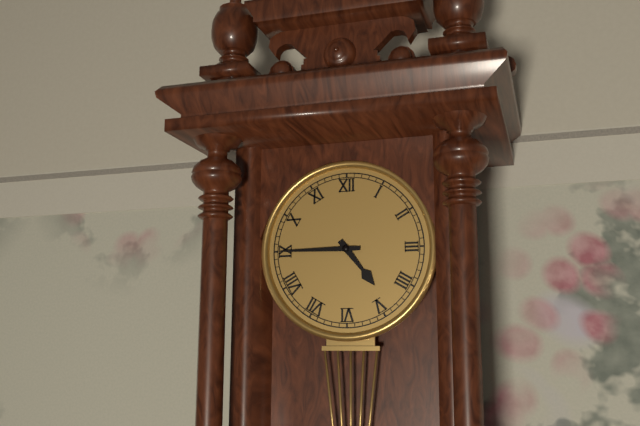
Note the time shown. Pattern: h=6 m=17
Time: h=4 m=45
